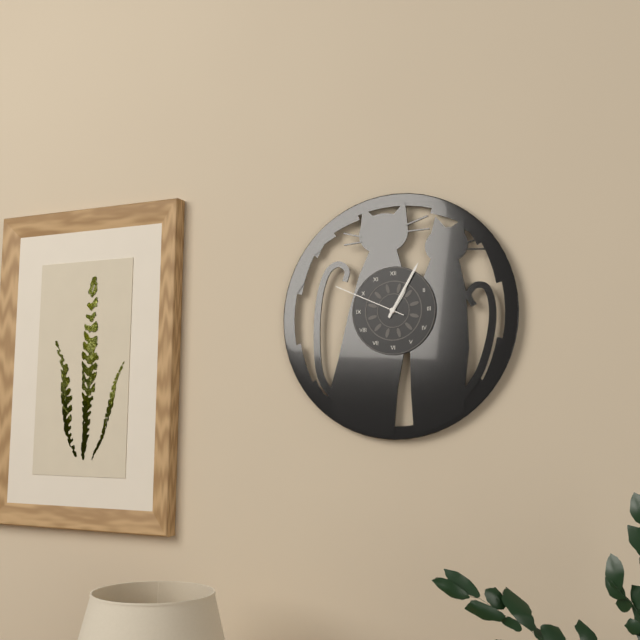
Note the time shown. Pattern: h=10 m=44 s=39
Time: h=1 m=5 s=49
